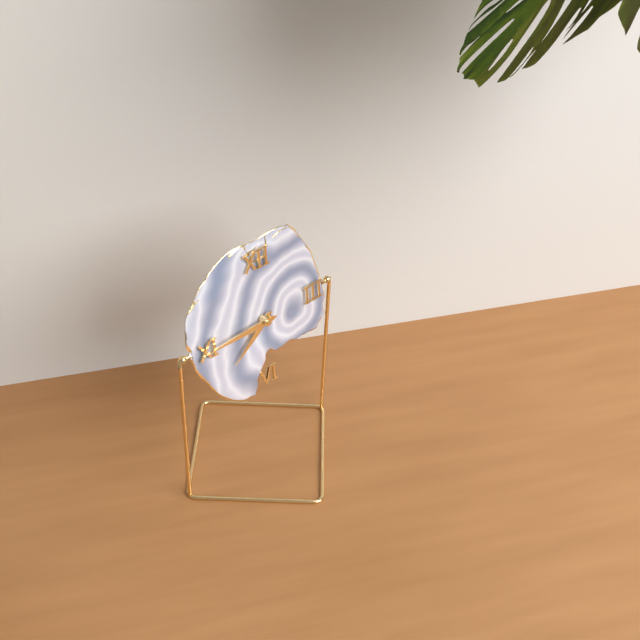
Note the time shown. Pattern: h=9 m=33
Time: h=7 m=45
